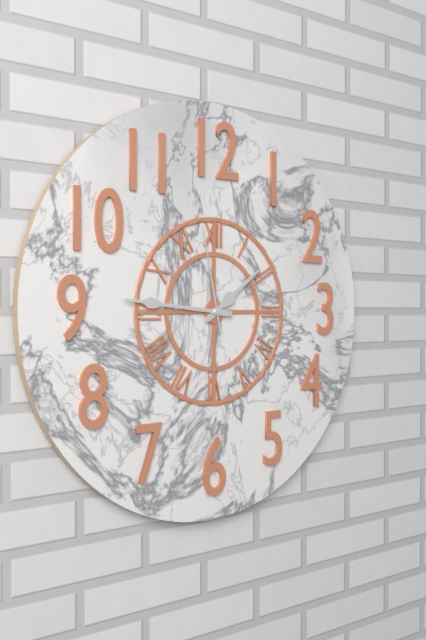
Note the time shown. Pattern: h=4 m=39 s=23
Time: h=1 m=46 s=58
